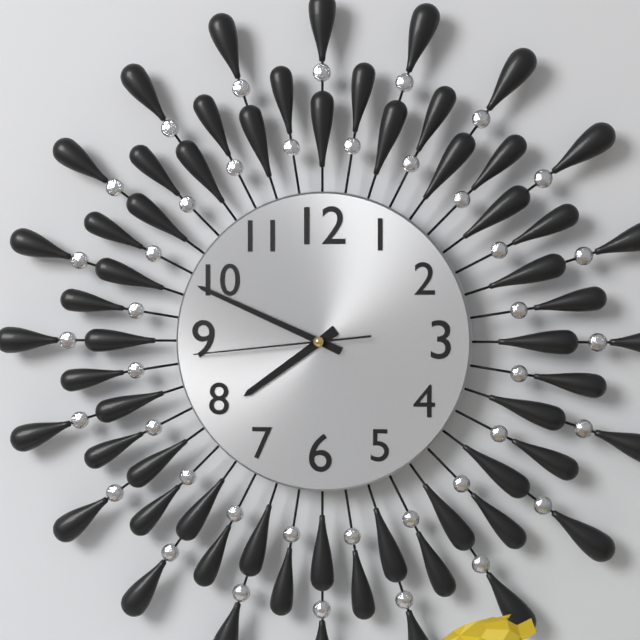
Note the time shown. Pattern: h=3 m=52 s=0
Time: h=7 m=49 s=44
